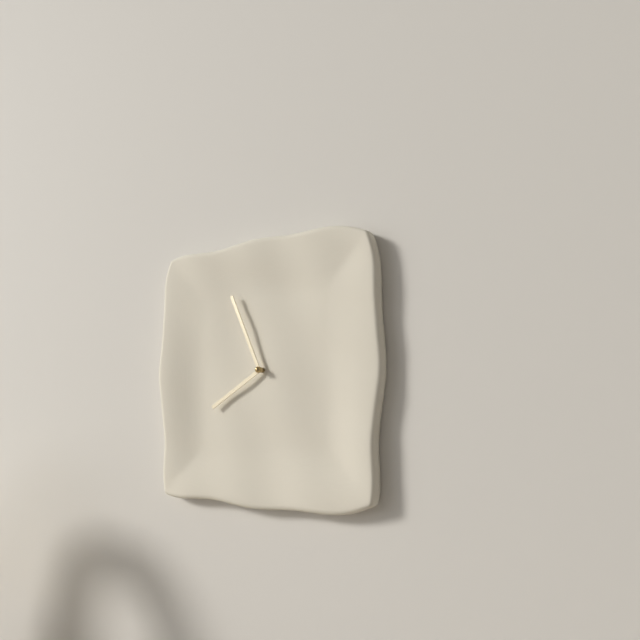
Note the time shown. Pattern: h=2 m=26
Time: h=7 m=56
